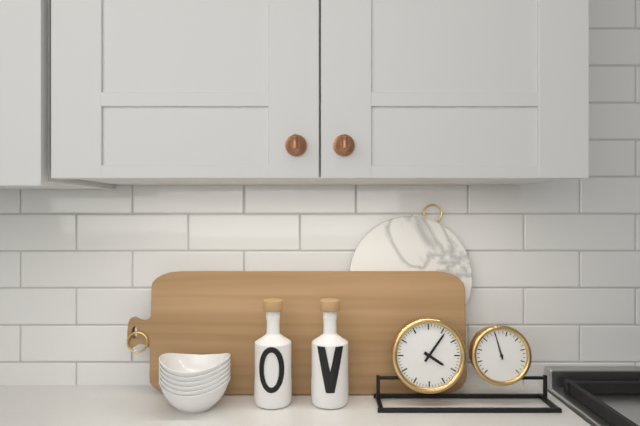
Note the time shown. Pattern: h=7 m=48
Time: h=4 m=6
